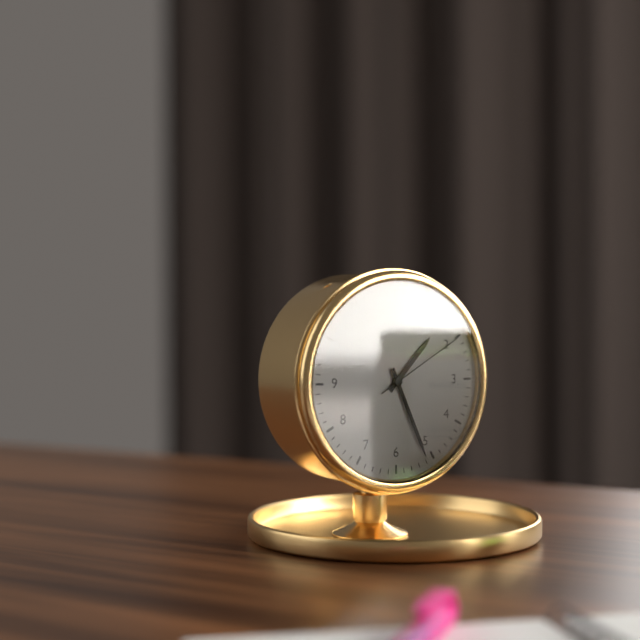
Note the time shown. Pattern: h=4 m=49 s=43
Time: h=1 m=26 s=10
